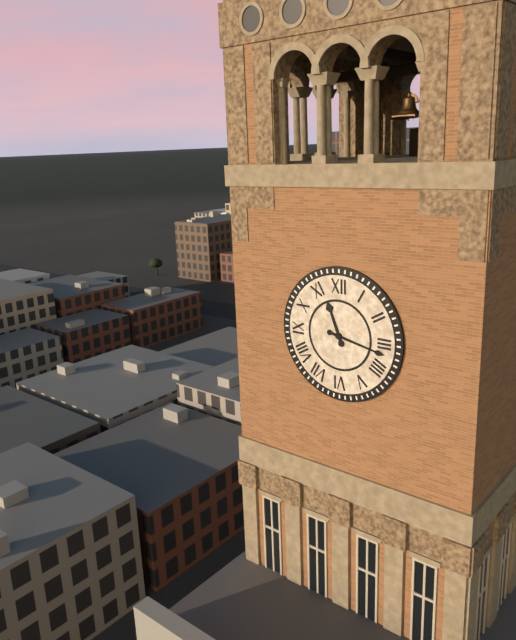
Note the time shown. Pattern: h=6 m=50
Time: h=11 m=17
